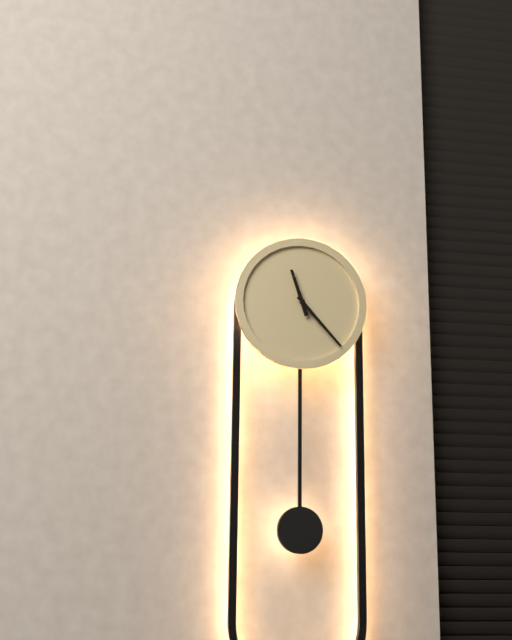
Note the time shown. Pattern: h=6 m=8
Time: h=11 m=23
